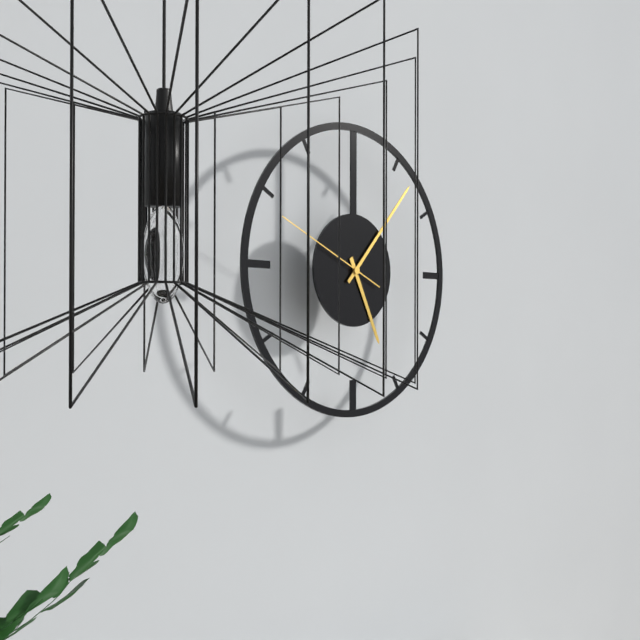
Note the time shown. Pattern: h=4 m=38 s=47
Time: h=5 m=7 s=49
